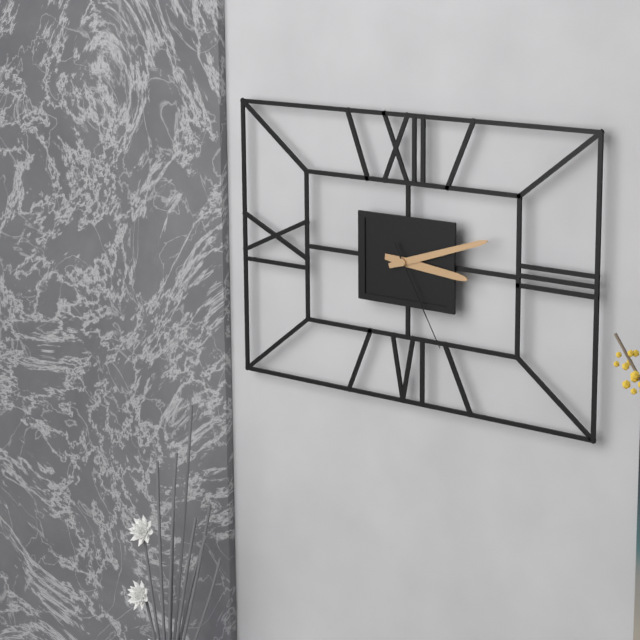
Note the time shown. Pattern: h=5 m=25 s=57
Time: h=3 m=12 s=25
